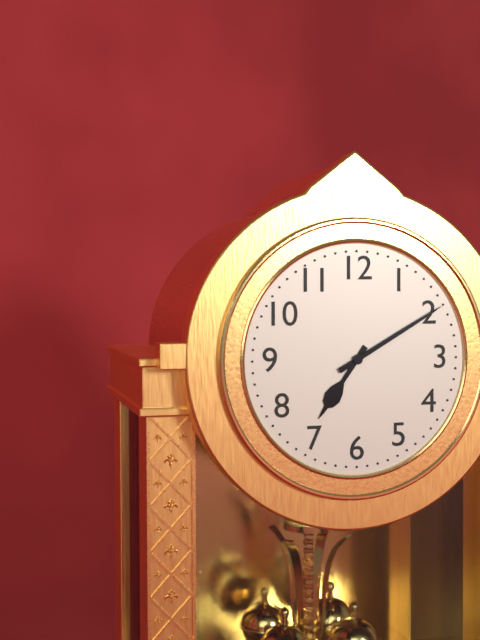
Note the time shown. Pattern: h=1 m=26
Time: h=7 m=10
